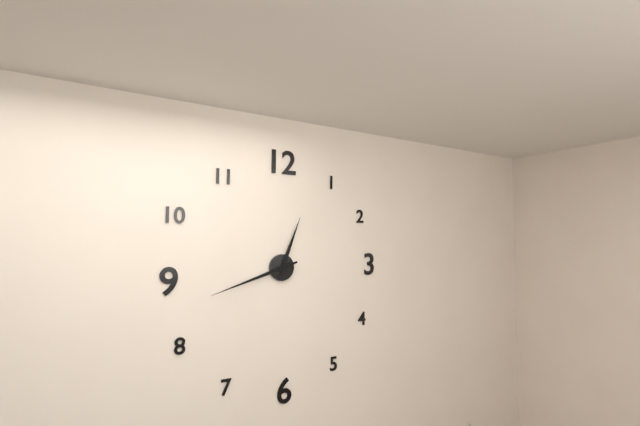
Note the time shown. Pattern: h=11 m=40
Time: h=12 m=42
